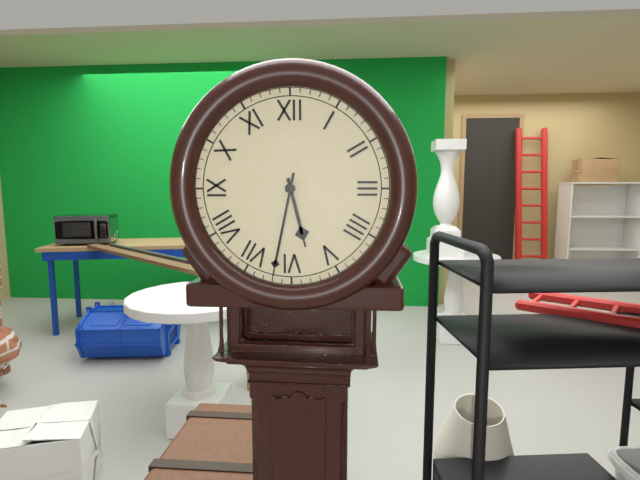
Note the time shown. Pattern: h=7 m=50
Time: h=5 m=32
